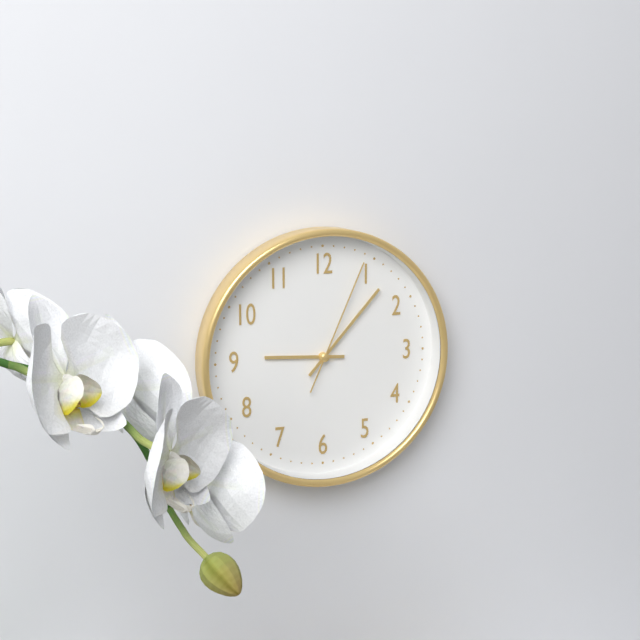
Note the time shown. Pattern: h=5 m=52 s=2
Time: h=9 m=7 s=4
